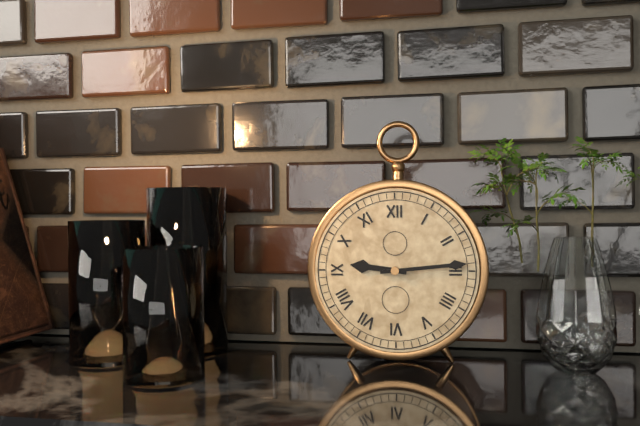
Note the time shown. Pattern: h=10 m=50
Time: h=9 m=14
